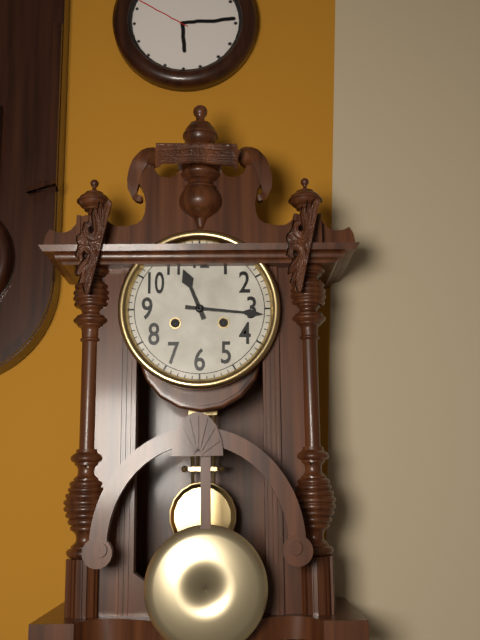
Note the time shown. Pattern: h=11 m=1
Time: h=11 m=16
